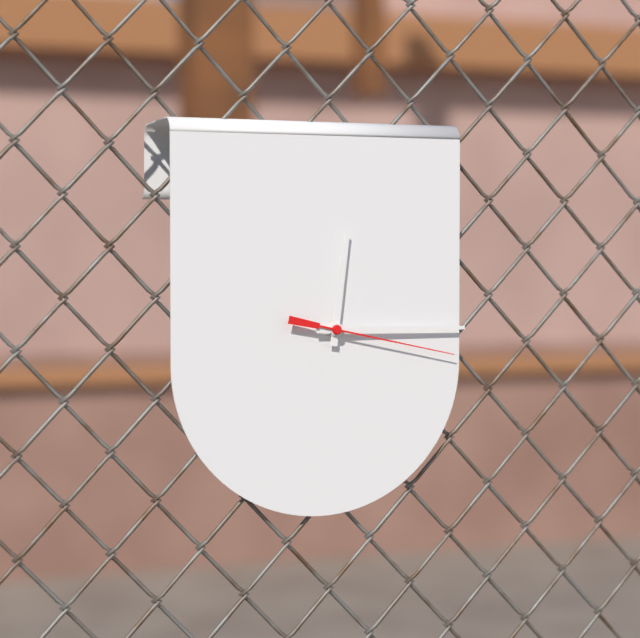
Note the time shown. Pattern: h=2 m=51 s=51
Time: h=12 m=15 s=17
